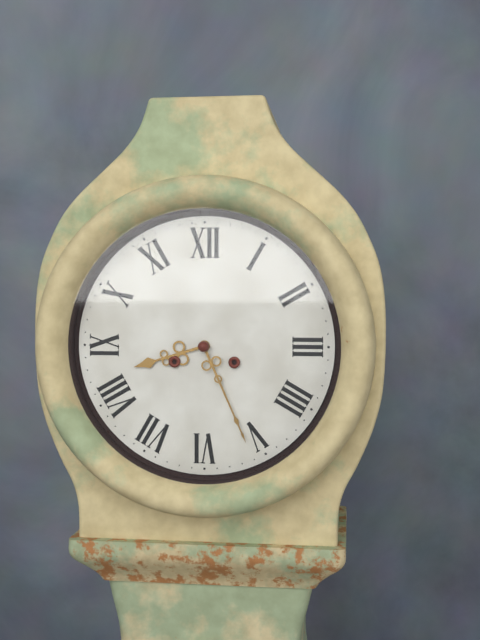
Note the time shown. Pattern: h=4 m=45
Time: h=8 m=26
